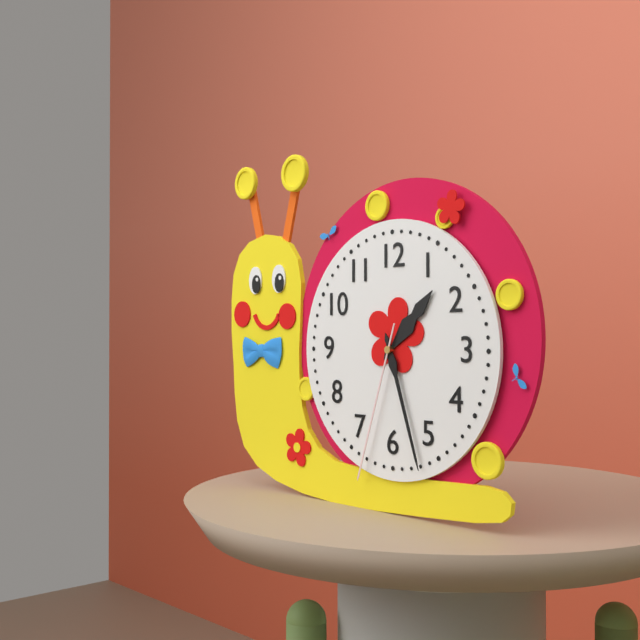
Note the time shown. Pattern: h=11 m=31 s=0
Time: h=1 m=27 s=33
